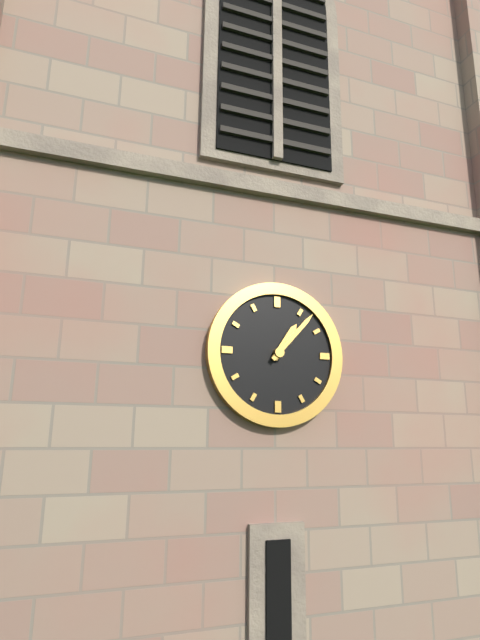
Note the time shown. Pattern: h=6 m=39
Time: h=1 m=7
